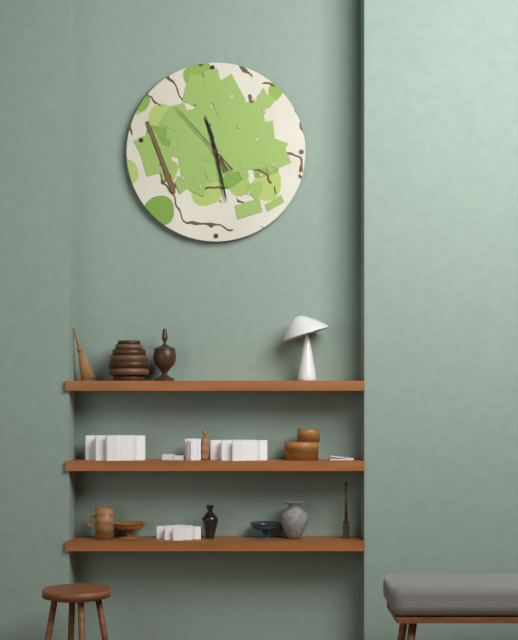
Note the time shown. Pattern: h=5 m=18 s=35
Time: h=11 m=28 s=53
